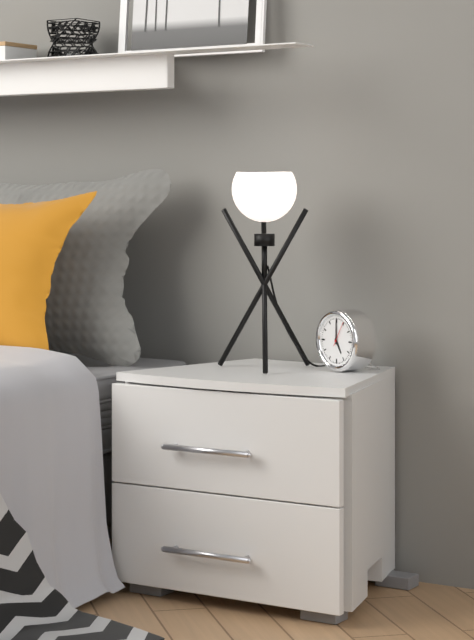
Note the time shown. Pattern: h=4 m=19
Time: h=5 m=0
